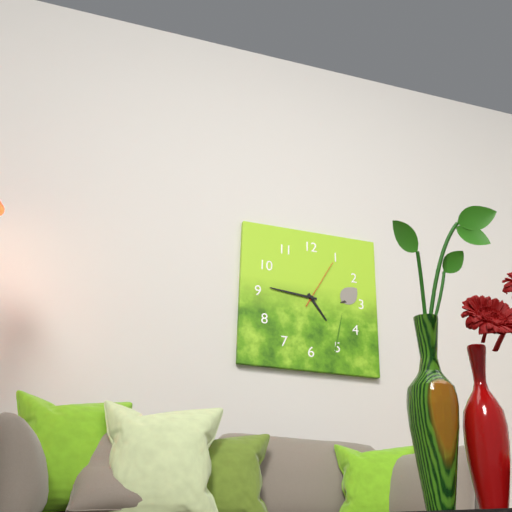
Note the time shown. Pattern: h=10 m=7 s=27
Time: h=4 m=46 s=5
